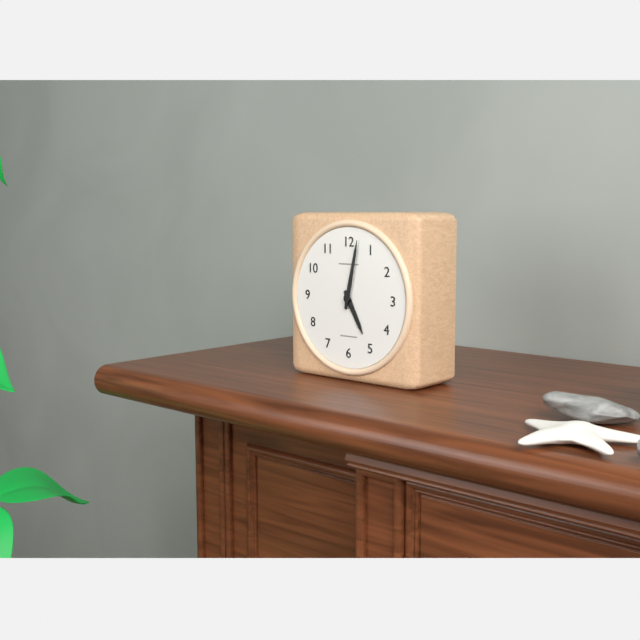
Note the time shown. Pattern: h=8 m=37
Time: h=5 m=2
